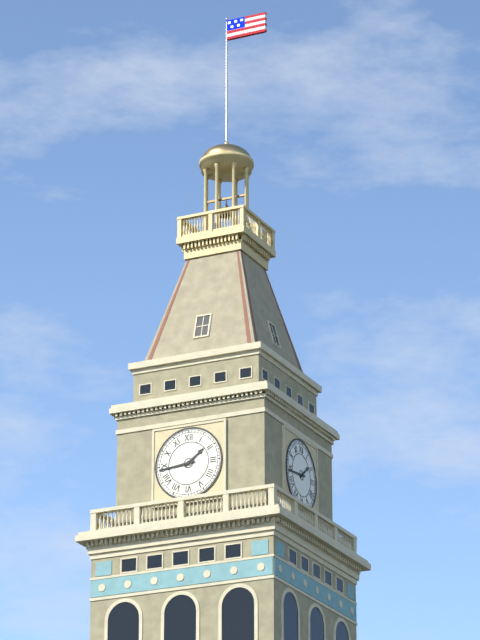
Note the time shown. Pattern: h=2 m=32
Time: h=1 m=44
